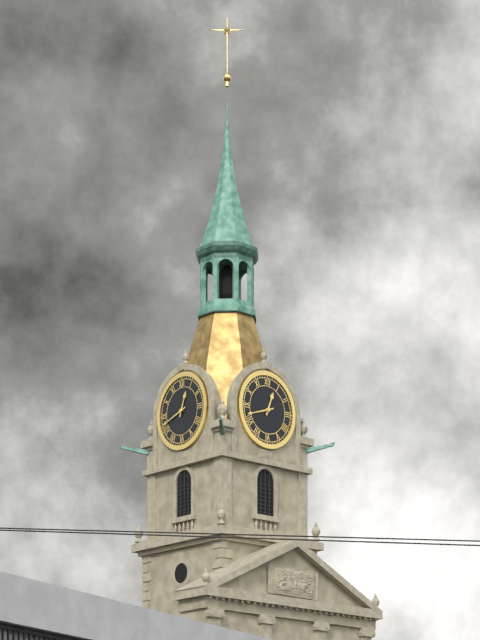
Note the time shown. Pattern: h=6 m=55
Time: h=12 m=42
